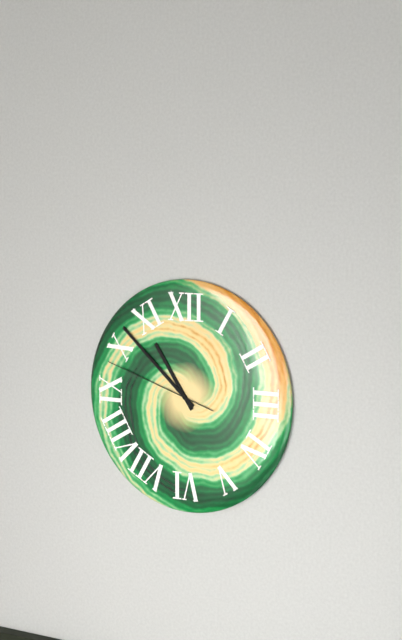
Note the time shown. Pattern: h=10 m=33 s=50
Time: h=10 m=52 s=48
